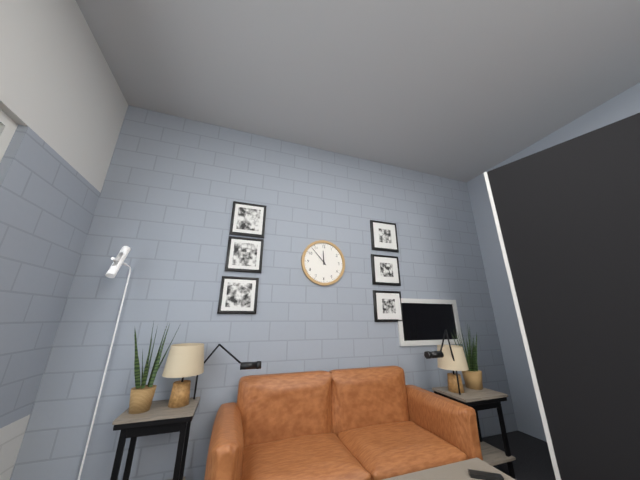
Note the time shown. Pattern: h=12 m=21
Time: h=11 m=53
